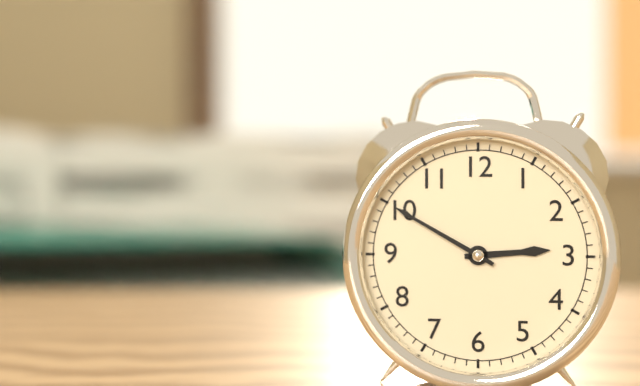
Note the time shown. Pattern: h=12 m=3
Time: h=2 m=50
